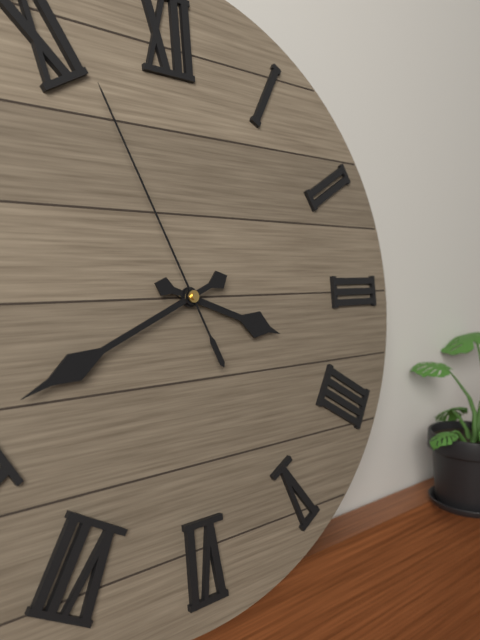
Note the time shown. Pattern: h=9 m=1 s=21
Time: h=3 m=41 s=56
